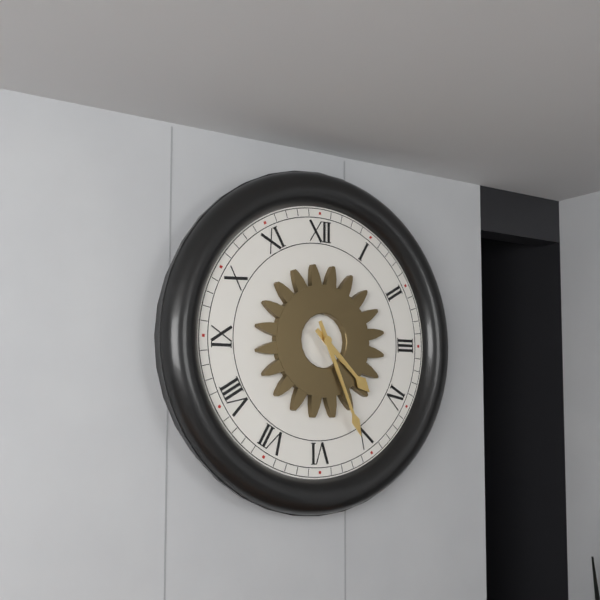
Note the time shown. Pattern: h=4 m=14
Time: h=4 m=26
